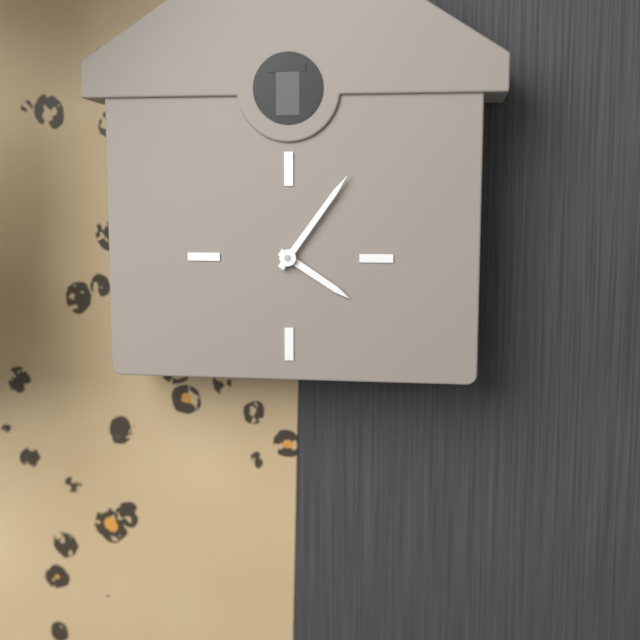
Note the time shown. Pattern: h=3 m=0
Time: h=4 m=6
